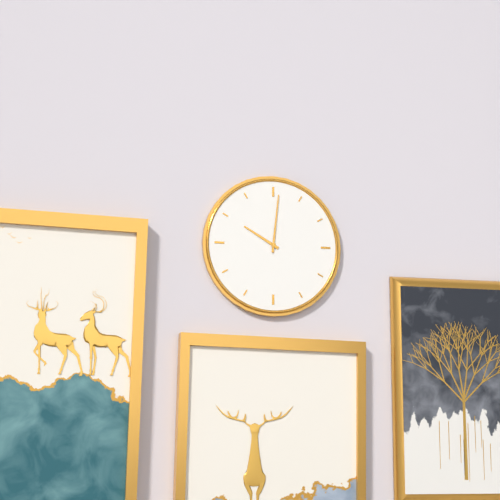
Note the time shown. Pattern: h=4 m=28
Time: h=10 m=1
